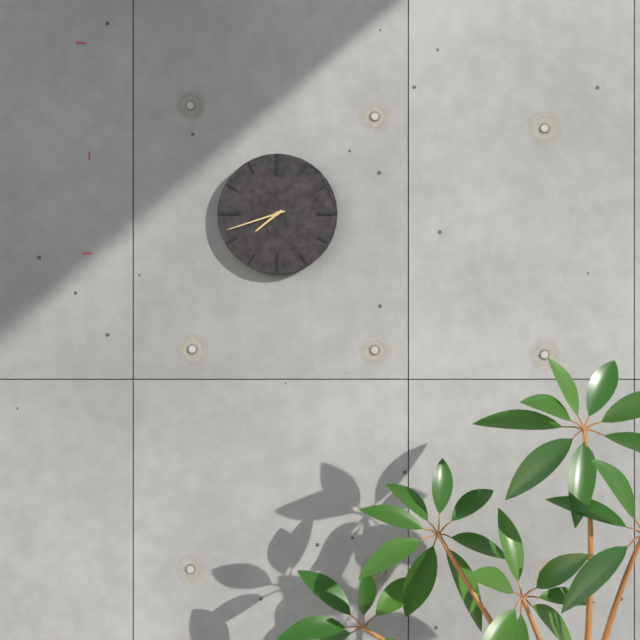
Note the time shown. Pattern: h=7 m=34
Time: h=7 m=42
